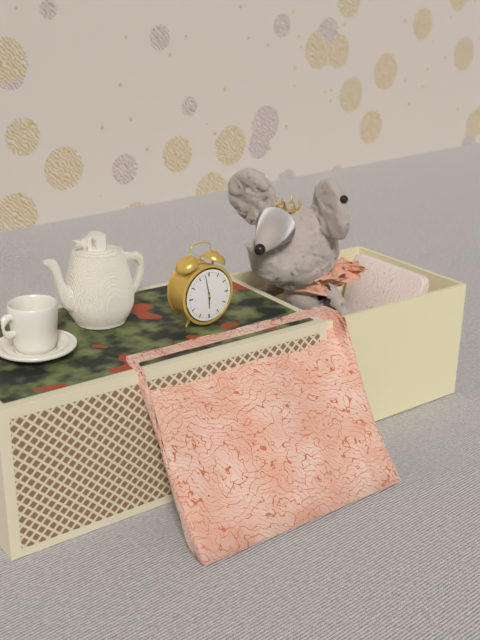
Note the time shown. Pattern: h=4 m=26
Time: h=5 m=58
